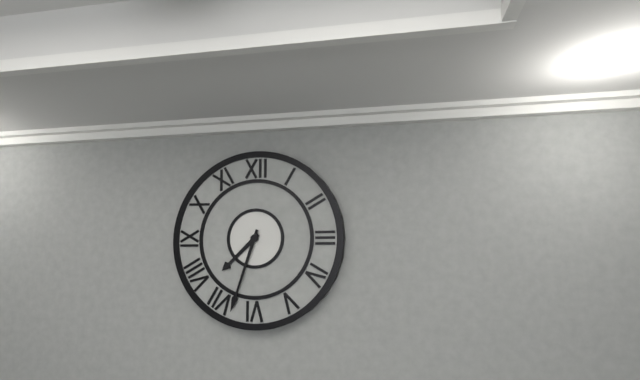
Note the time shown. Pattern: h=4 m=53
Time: h=7 m=33
